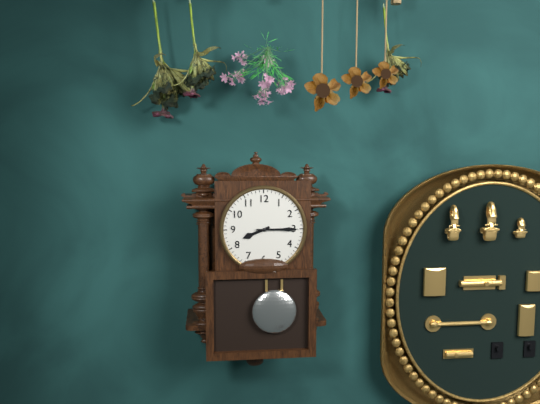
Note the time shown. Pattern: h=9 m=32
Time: h=8 m=15
